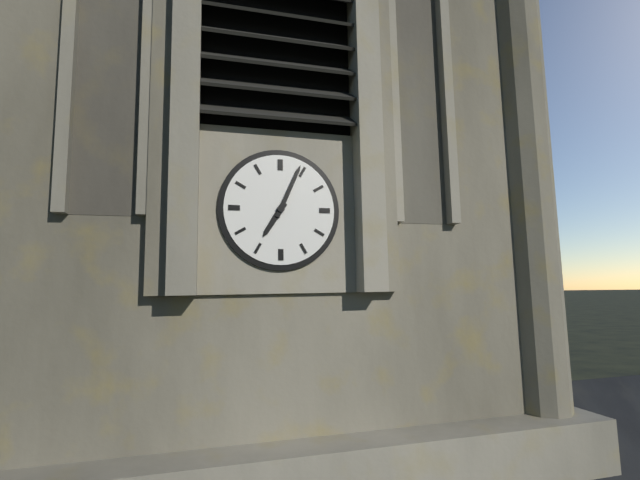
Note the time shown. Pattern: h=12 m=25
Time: h=7 m=4
